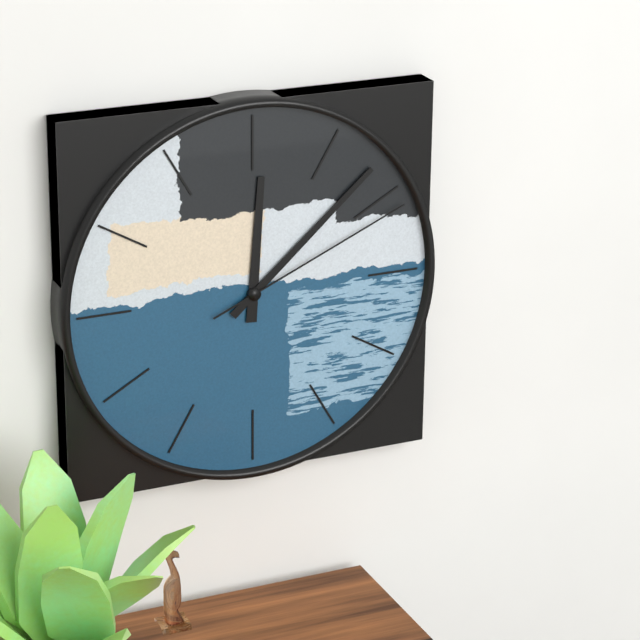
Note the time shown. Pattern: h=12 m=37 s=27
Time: h=12 m=8 s=11
